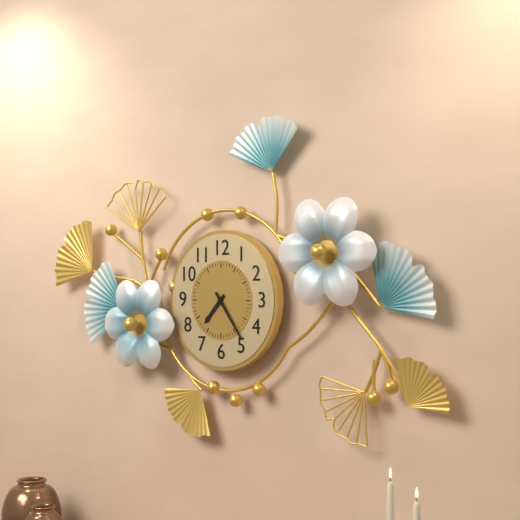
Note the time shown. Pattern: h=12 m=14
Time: h=7 m=24
